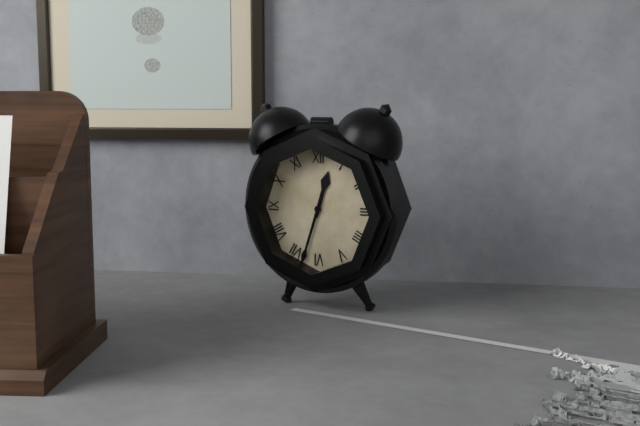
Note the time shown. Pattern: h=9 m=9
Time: h=12 m=33
